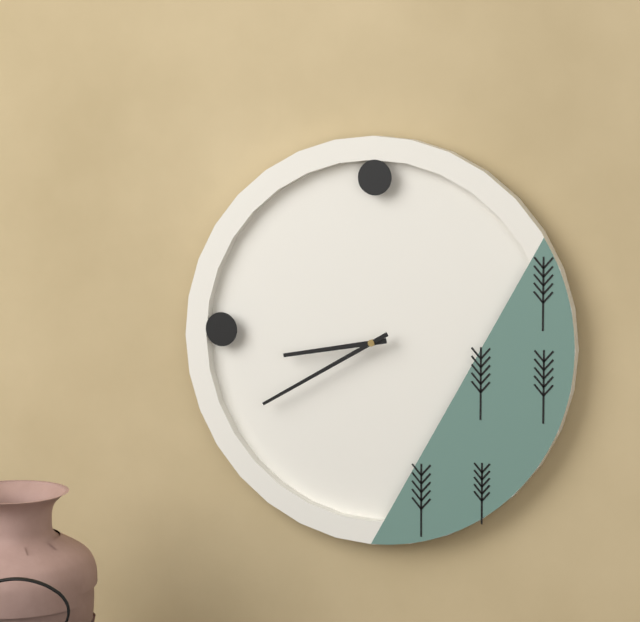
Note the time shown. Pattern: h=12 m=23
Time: h=8 m=40
